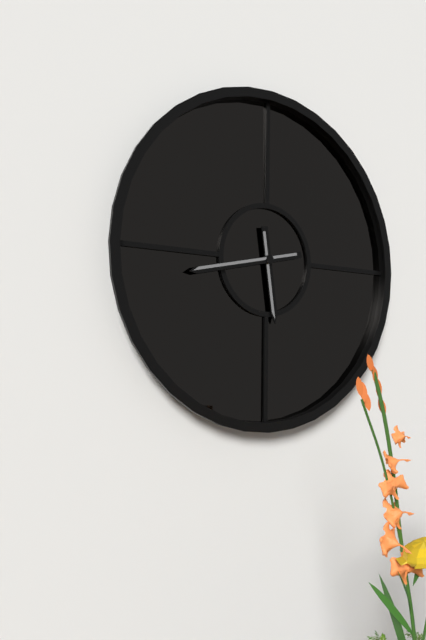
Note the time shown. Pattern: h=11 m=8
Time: h=5 m=43
